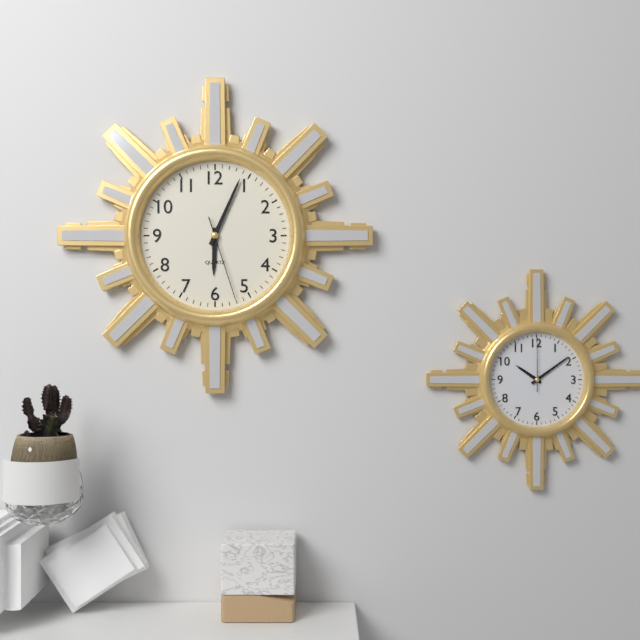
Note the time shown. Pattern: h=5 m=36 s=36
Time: h=6 m=4 s=27
